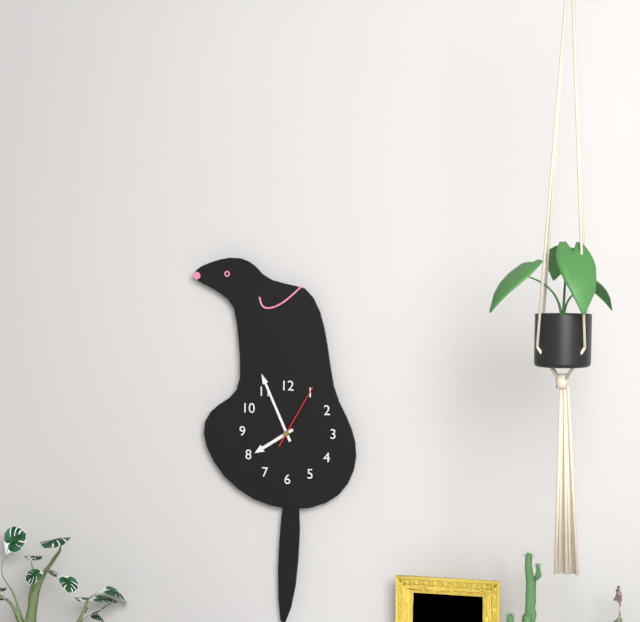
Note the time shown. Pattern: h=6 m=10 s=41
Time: h=7 m=56 s=5
